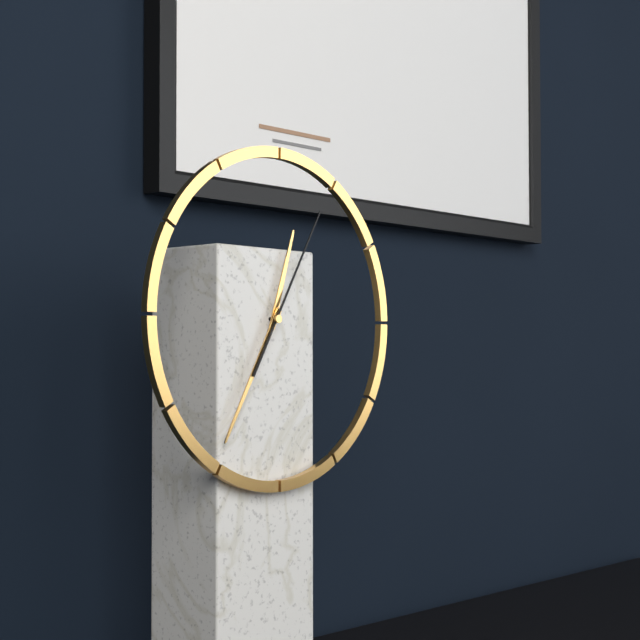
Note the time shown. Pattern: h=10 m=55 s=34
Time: h=12 m=35 s=5
